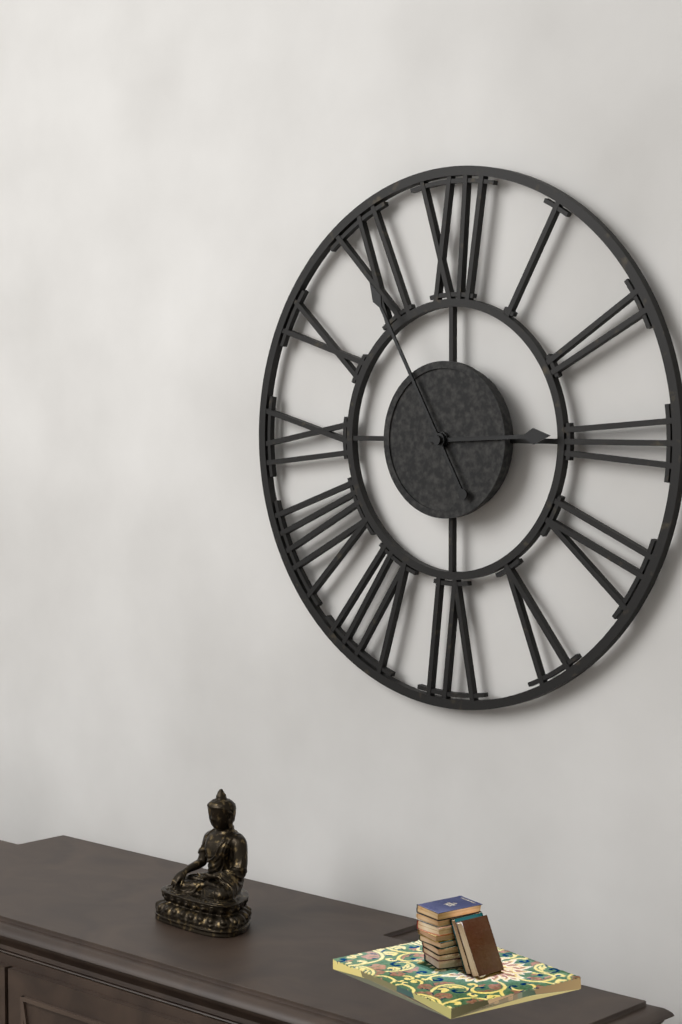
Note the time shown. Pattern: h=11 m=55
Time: h=2 m=55
